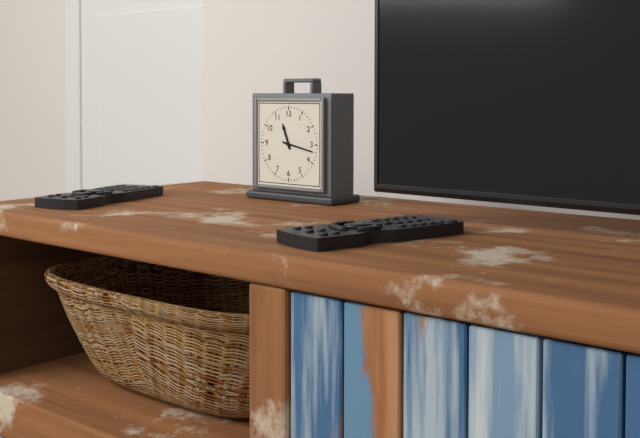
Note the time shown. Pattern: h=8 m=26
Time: h=11 m=17
